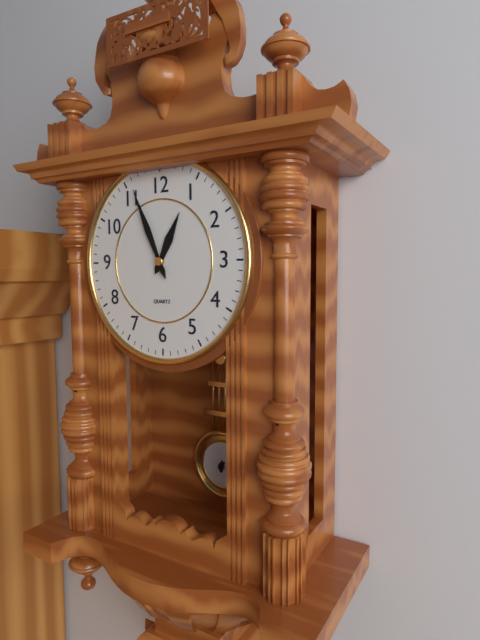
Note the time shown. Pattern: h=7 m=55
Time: h=12 m=56
